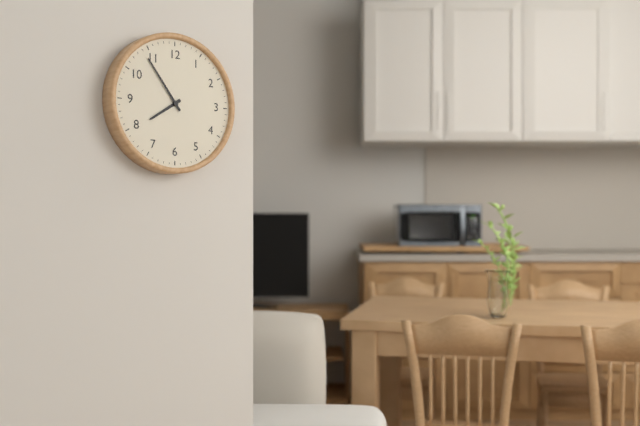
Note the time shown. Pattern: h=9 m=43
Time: h=7 m=54
